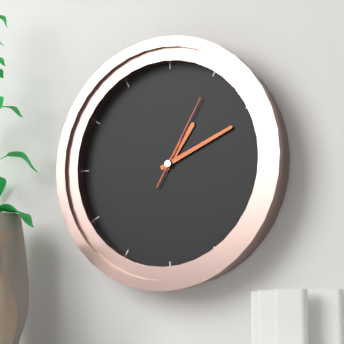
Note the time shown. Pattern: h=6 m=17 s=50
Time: h=1 m=11 s=5
